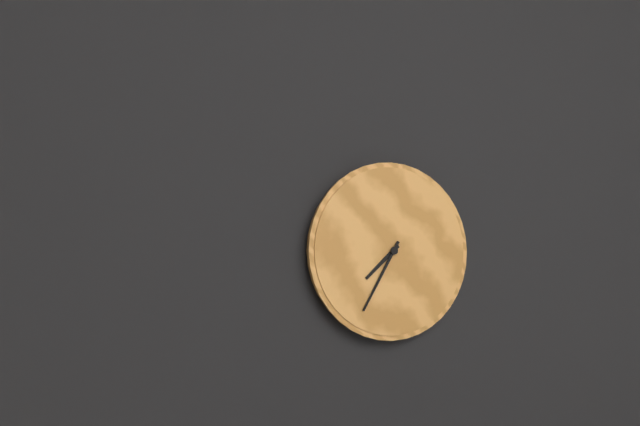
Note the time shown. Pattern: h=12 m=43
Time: h=7 m=35
